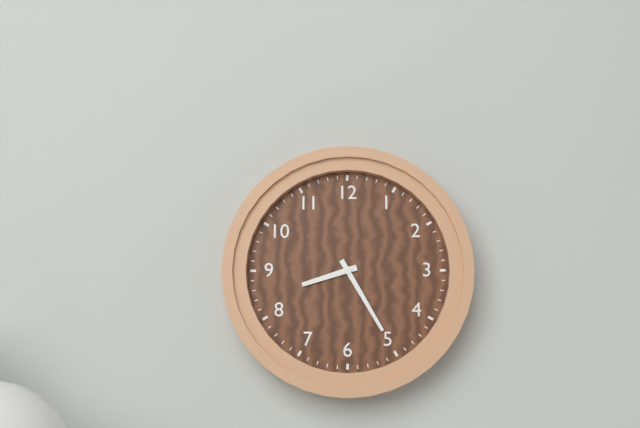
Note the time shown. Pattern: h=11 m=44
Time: h=8 m=25
